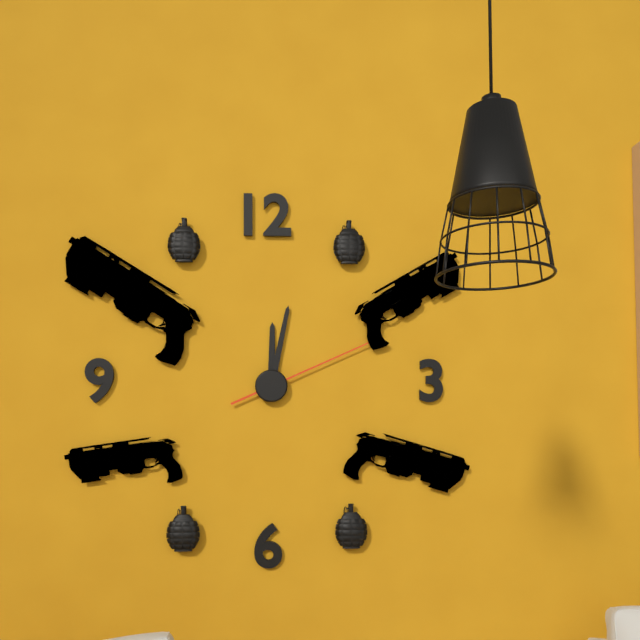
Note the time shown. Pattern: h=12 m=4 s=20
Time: h=12 m=2 s=11
